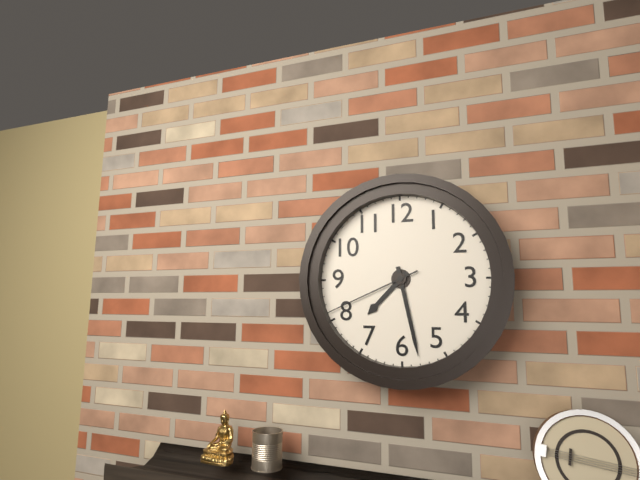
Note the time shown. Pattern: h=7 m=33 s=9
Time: h=7 m=28 s=41
